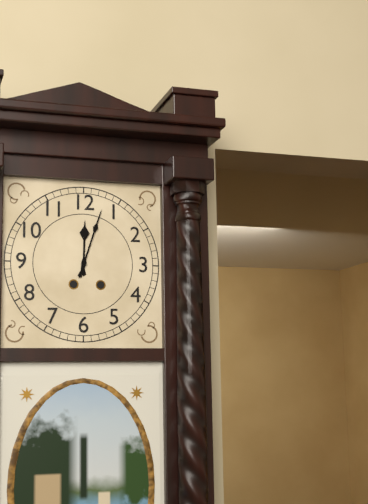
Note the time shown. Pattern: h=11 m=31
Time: h=12 m=3
